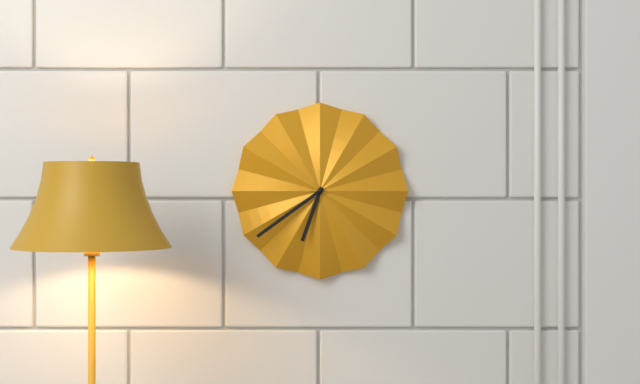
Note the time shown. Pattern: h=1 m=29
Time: h=6 m=39
